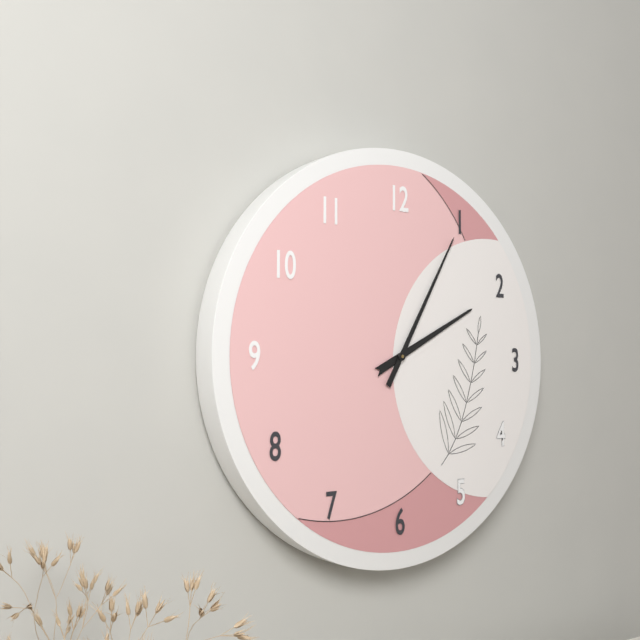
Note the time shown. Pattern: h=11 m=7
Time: h=2 m=5
